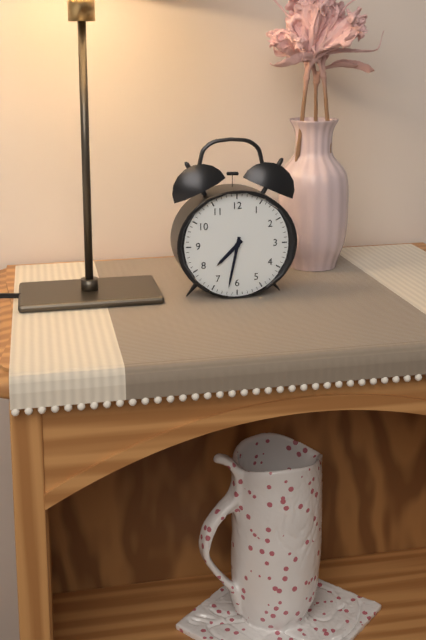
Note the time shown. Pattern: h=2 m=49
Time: h=7 m=32
